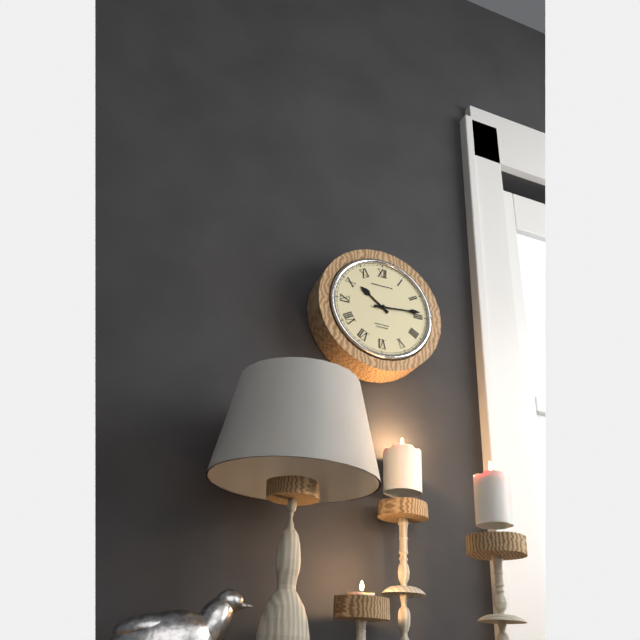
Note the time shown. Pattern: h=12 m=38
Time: h=10 m=14
